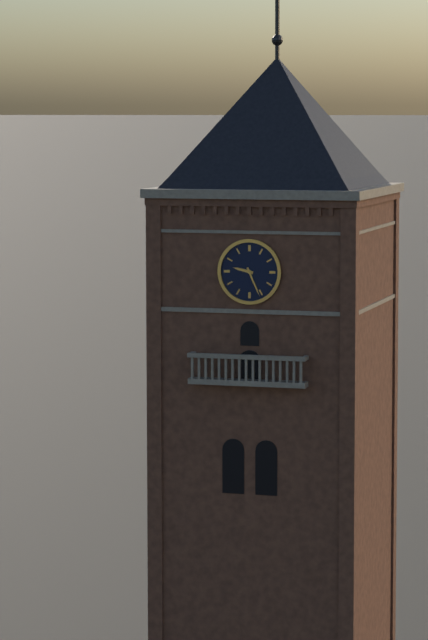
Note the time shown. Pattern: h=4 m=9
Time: h=9 m=26
